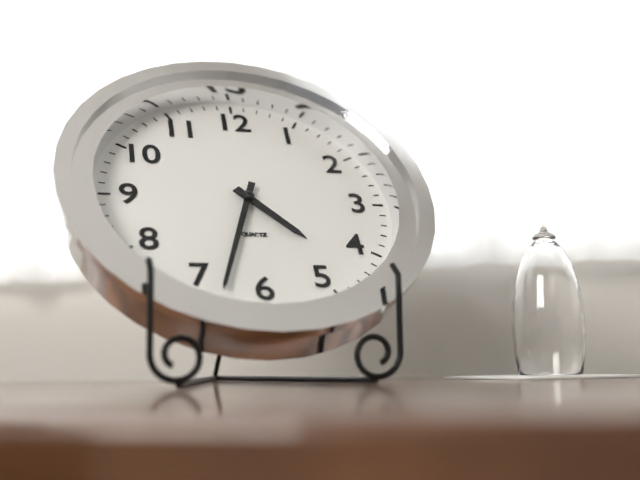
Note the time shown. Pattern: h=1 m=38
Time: h=4 m=33
